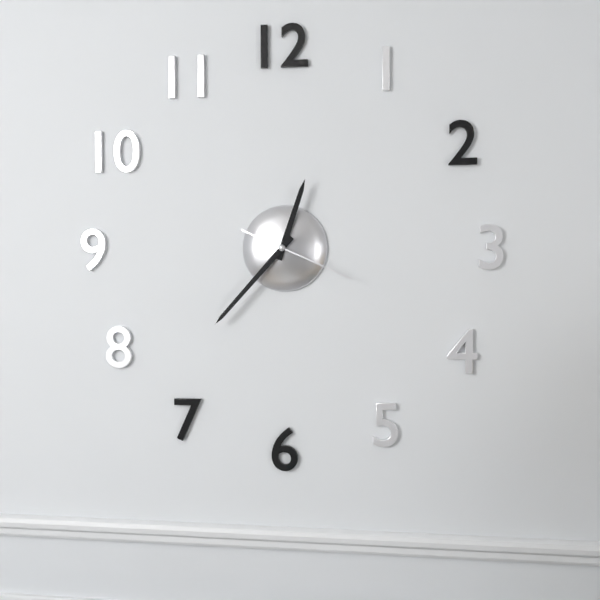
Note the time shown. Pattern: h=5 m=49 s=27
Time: h=12 m=37 s=19
